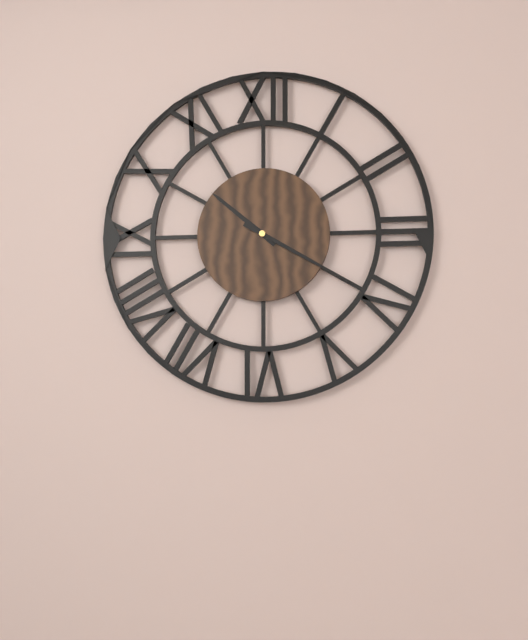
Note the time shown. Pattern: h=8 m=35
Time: h=10 m=20
